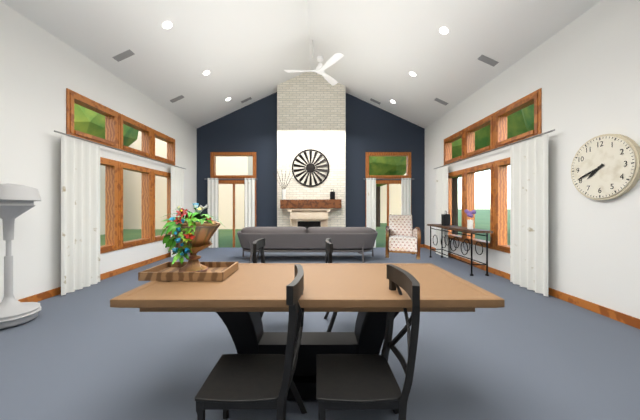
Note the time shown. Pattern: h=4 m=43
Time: h=7 m=41
